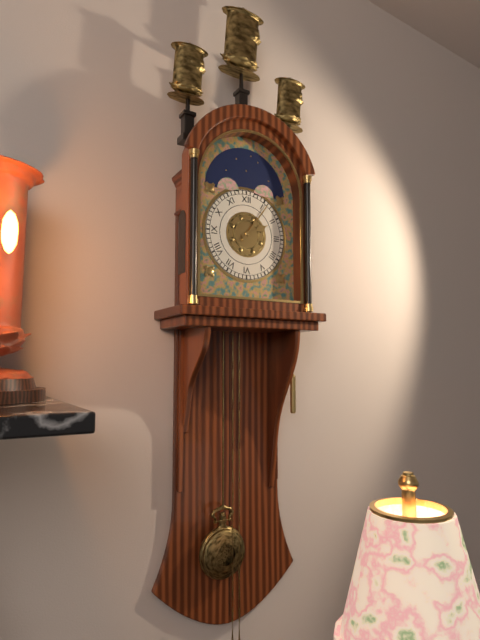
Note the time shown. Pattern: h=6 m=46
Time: h=2 m=6
